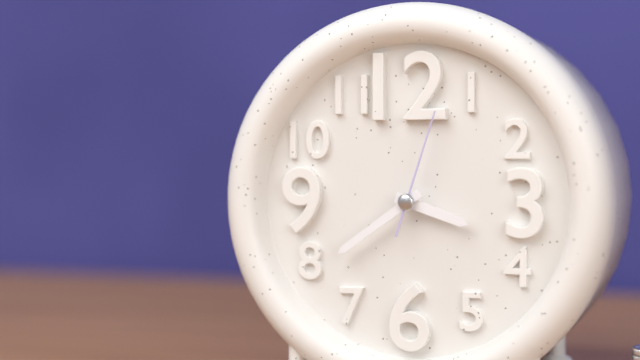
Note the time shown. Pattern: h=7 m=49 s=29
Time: h=3 m=39 s=3
